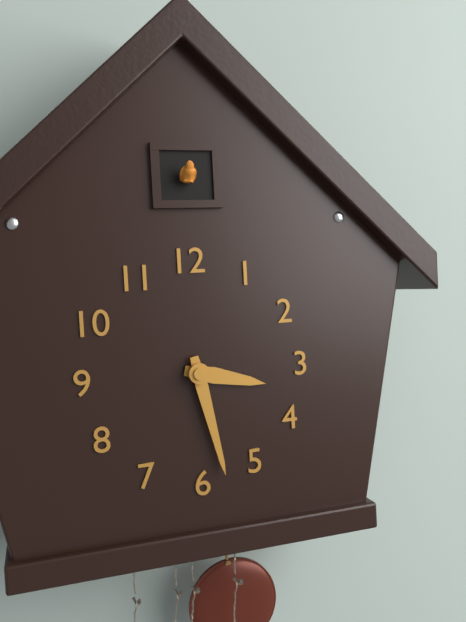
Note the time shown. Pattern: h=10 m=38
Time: h=3 m=28
